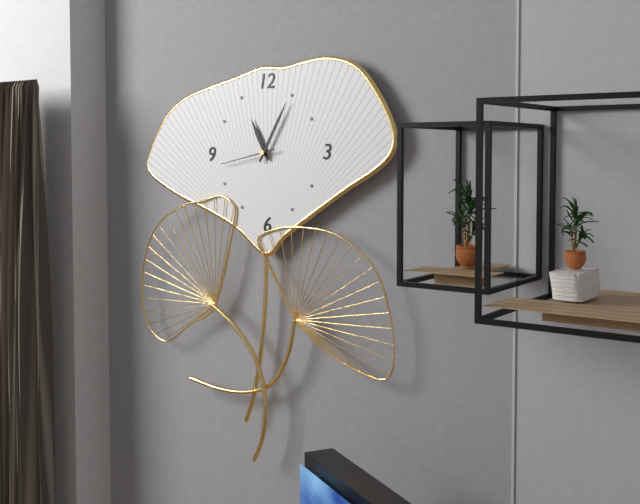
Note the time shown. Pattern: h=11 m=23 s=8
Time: h=11 m=5 s=43
